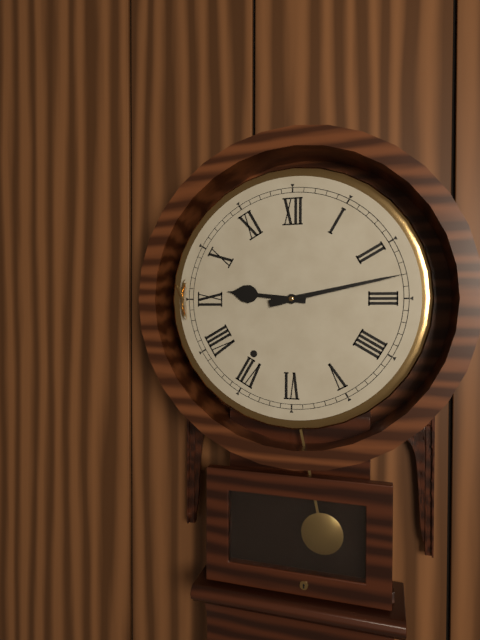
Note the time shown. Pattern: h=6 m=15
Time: h=9 m=13
